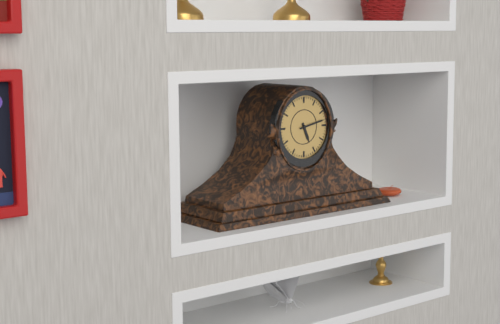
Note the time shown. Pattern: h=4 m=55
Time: h=5 m=13
